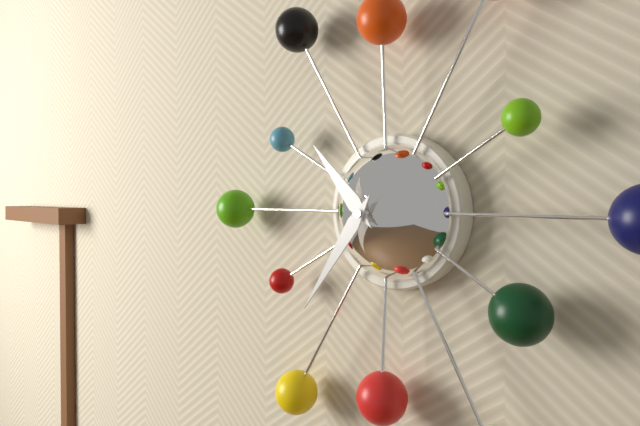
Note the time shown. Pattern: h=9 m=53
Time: h=10 m=36
